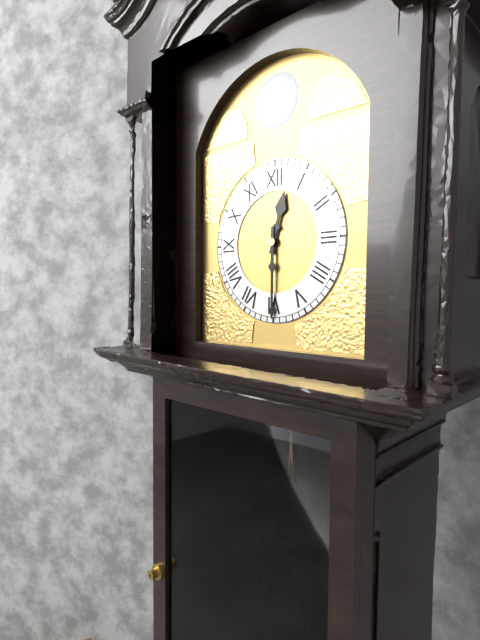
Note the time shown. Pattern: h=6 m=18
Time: h=12 m=30
